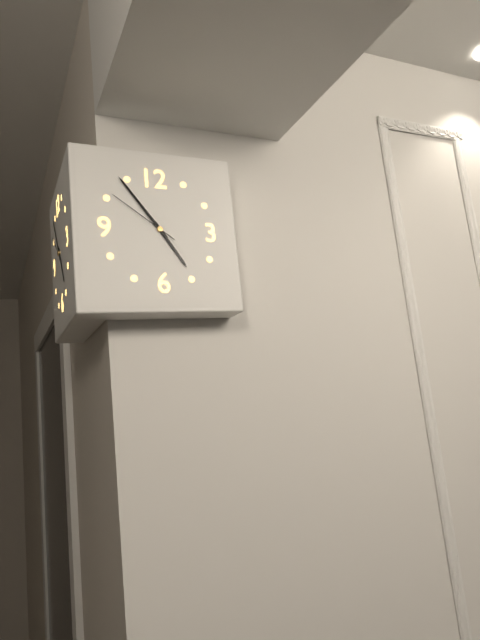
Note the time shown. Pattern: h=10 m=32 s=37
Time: h=4 m=54 s=51
